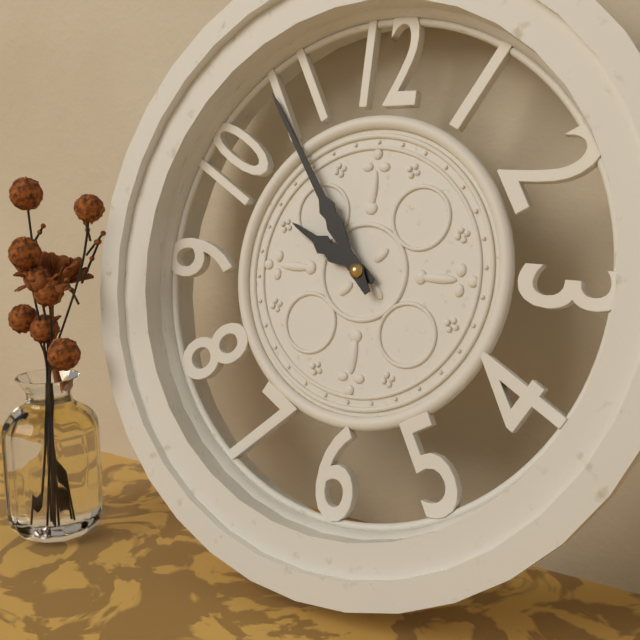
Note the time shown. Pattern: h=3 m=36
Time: h=9 m=54
